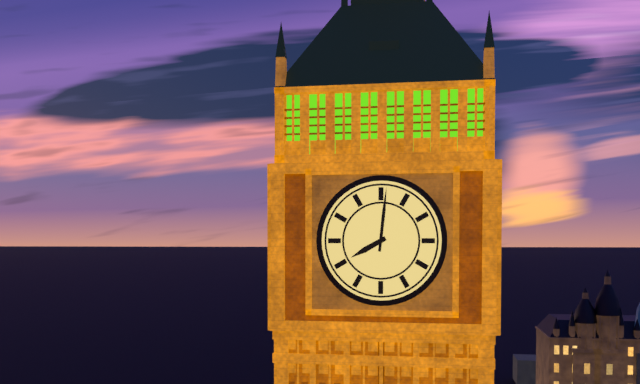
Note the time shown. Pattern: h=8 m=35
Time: h=8 m=1
